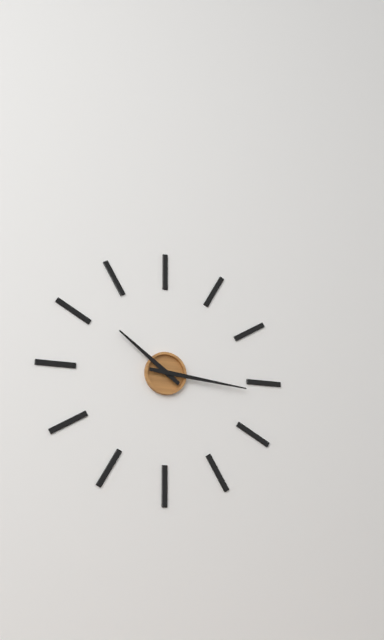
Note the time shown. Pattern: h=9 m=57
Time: h=10 m=16
